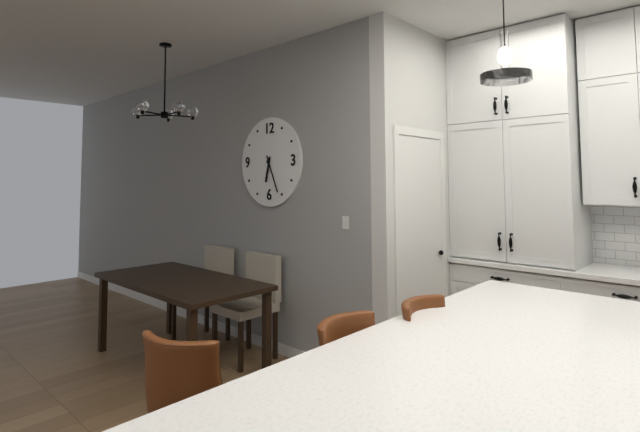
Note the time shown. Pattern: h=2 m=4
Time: h=6 m=26
